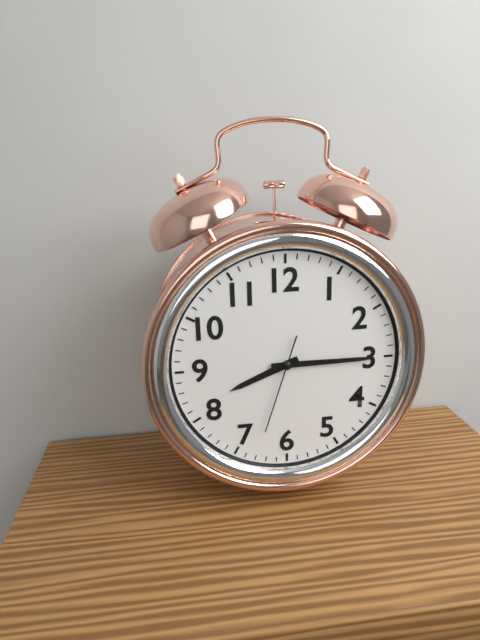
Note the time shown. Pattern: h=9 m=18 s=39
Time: h=8 m=15 s=33
